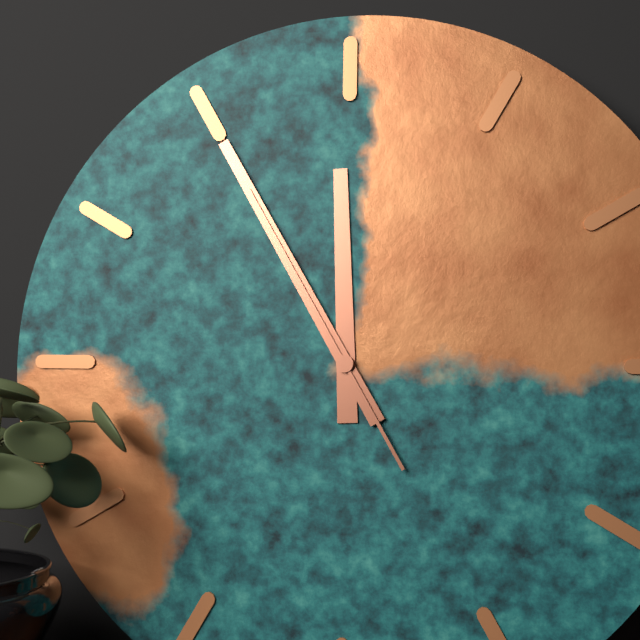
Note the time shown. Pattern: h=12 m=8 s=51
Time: h=11 m=55 s=55
